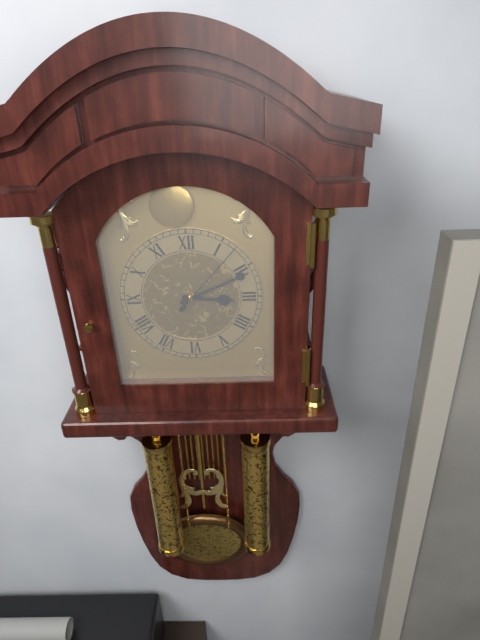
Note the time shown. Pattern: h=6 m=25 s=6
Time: h=3 m=11 s=7
